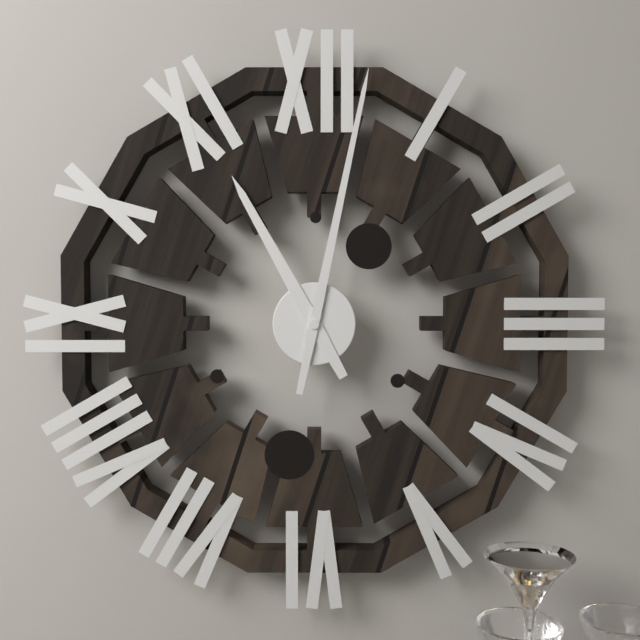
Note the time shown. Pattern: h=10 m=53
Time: h=11 m=2
